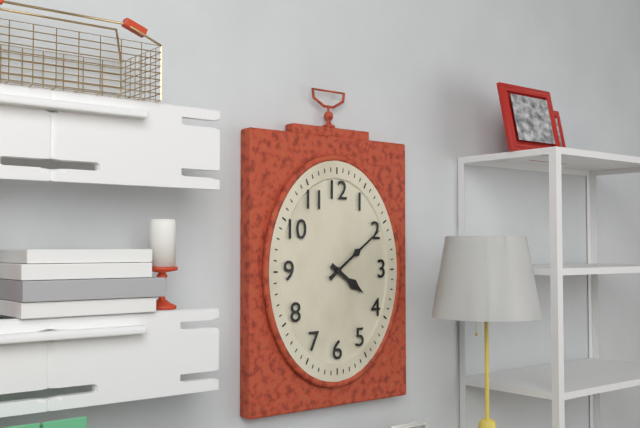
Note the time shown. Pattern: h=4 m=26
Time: h=4 m=9
